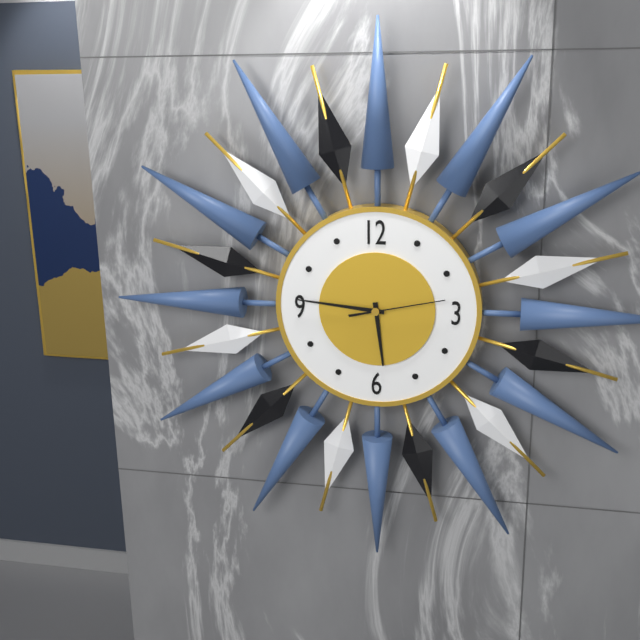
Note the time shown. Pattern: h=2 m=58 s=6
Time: h=5 m=46 s=13
